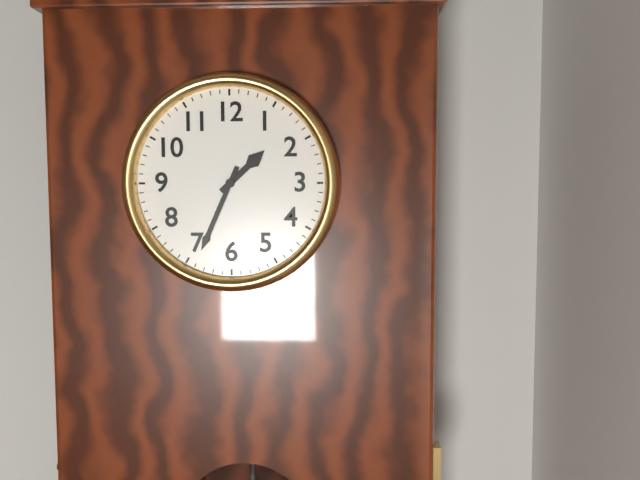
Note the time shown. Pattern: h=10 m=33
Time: h=1 m=34
